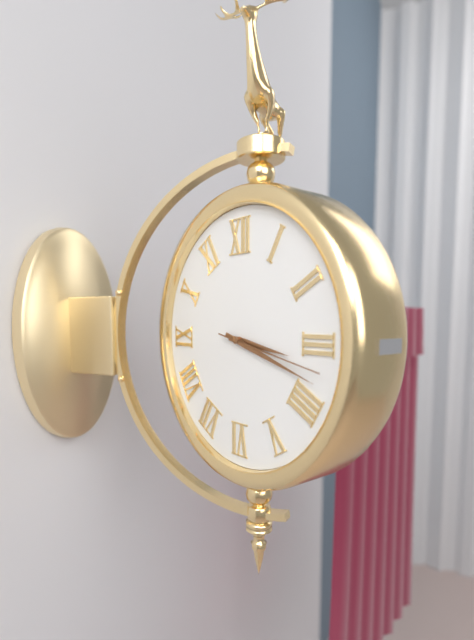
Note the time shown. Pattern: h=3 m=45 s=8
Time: h=3 m=18 s=17
